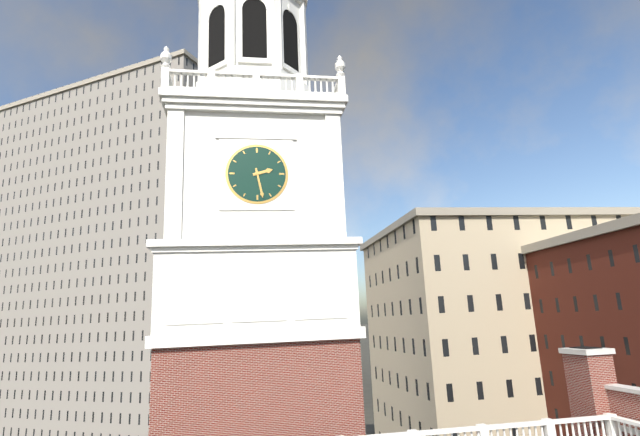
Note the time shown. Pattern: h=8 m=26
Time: h=2 m=28
